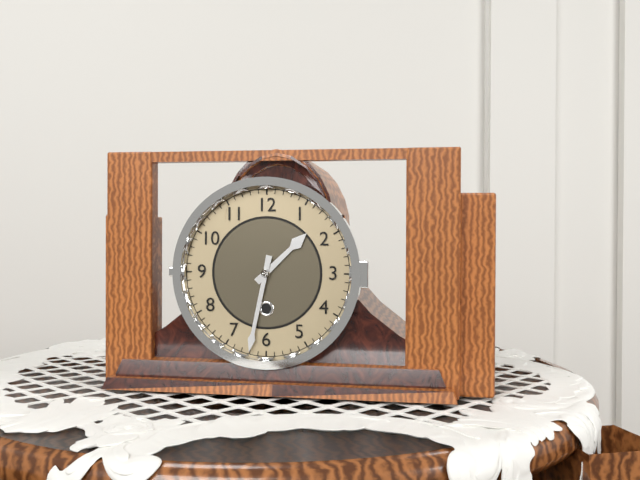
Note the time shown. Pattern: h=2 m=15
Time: h=1 m=32
